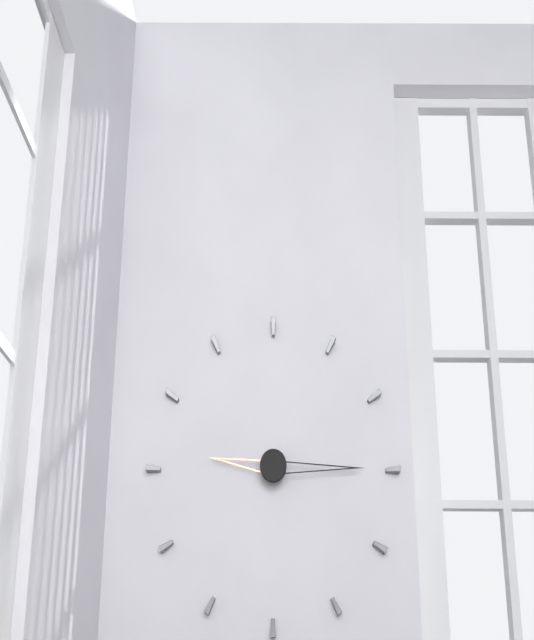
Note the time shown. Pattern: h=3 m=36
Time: h=9 m=15
